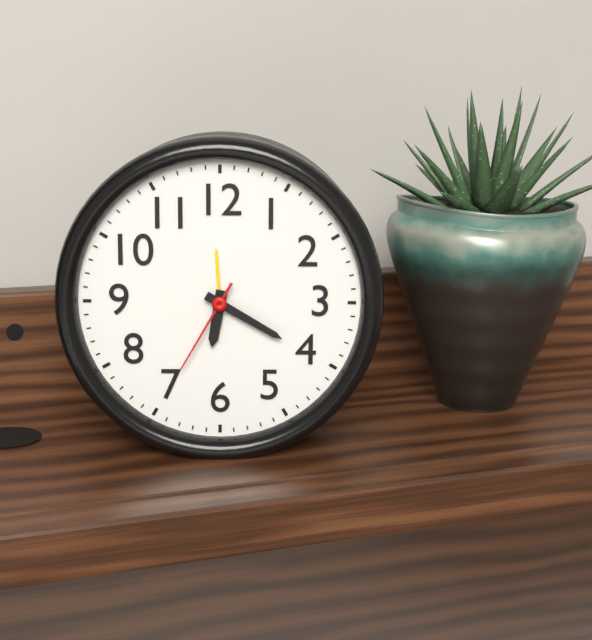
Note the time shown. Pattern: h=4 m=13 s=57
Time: h=6 m=20 s=35
